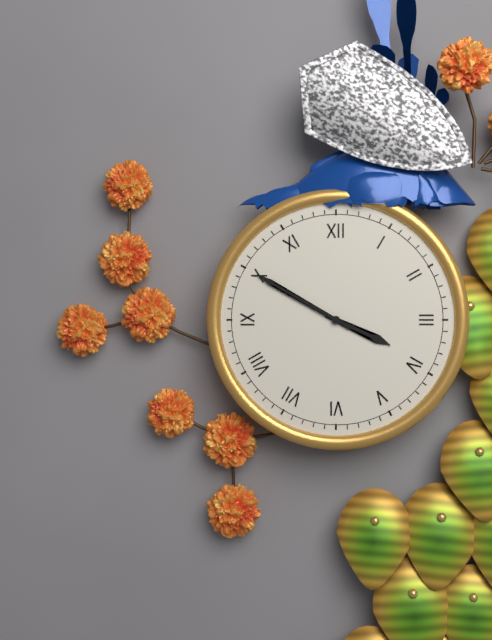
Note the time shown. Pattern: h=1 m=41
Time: h=3 m=50
